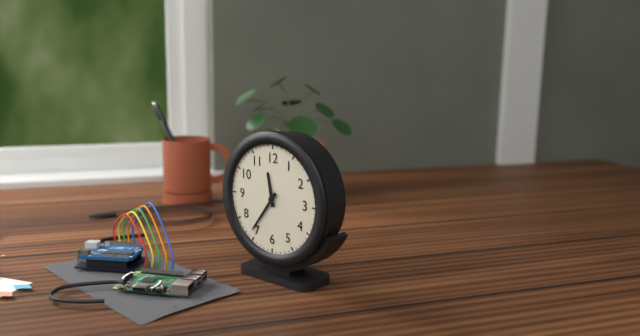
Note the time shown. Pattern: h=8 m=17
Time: h=11 m=36
